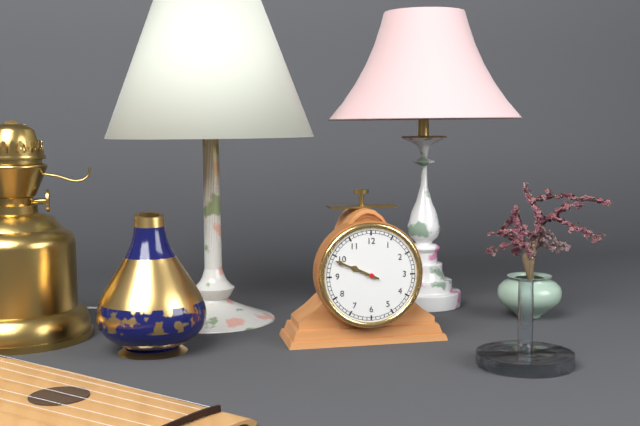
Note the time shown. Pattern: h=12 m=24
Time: h=9 m=49
